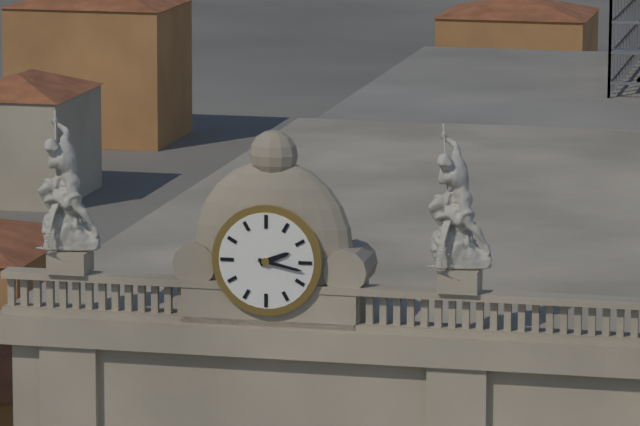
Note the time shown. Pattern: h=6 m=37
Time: h=2 m=17
